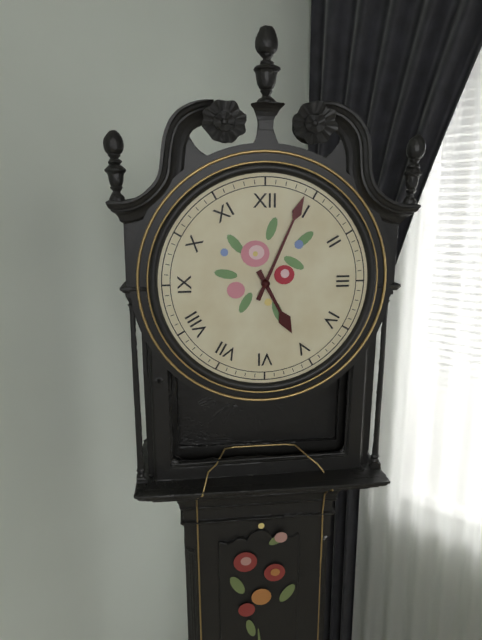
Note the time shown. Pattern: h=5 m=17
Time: h=5 m=4
